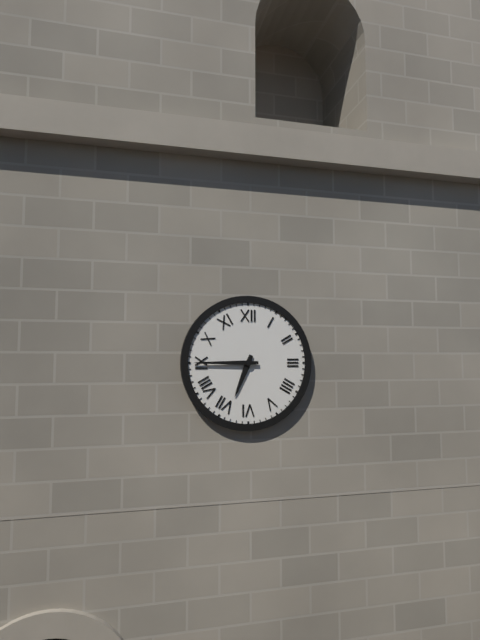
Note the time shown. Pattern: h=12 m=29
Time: h=6 m=45
